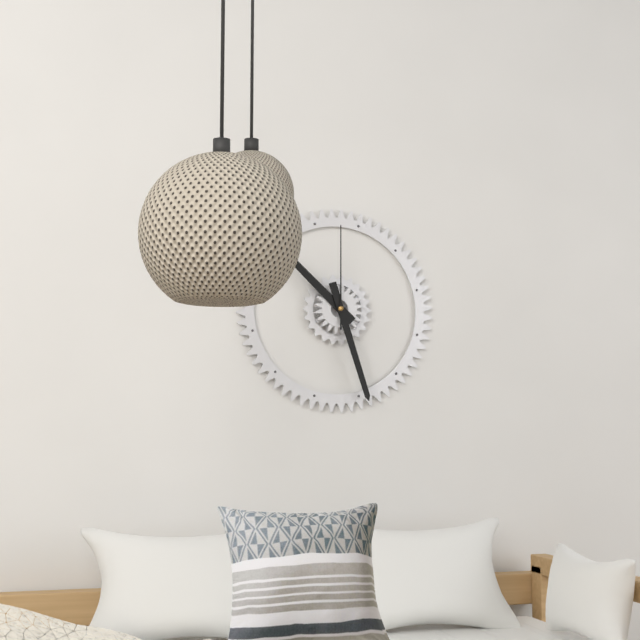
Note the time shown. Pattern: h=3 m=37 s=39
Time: h=10 m=27 s=0
